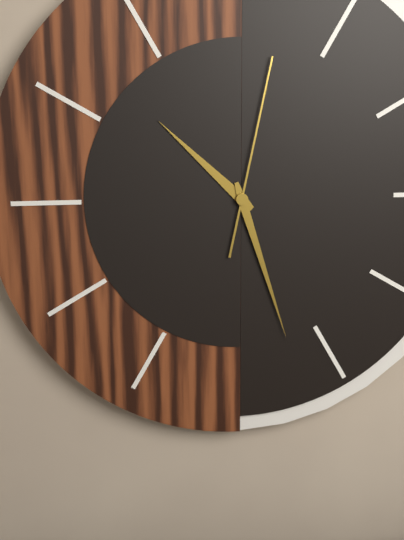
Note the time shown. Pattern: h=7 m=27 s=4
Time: h=10 m=27 s=2
